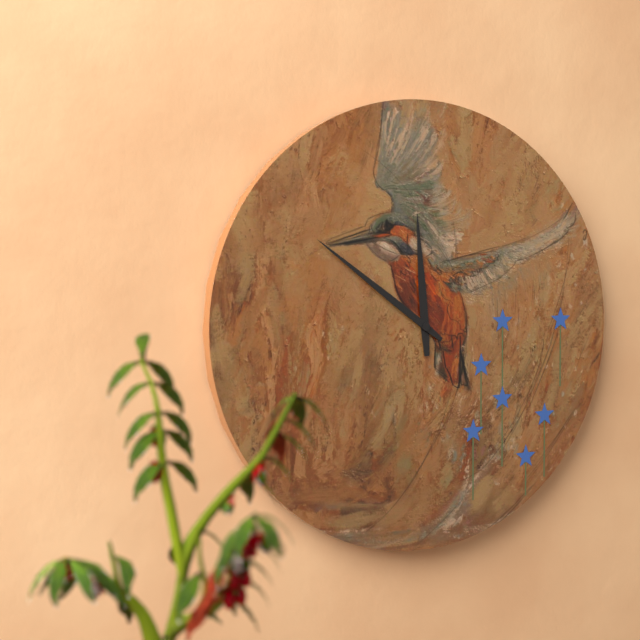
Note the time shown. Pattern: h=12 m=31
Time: h=11 m=51
